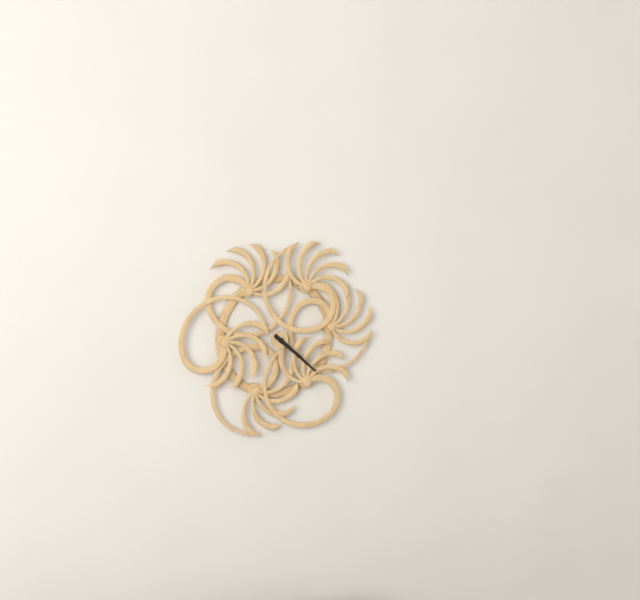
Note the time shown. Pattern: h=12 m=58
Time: h=4 m=22
